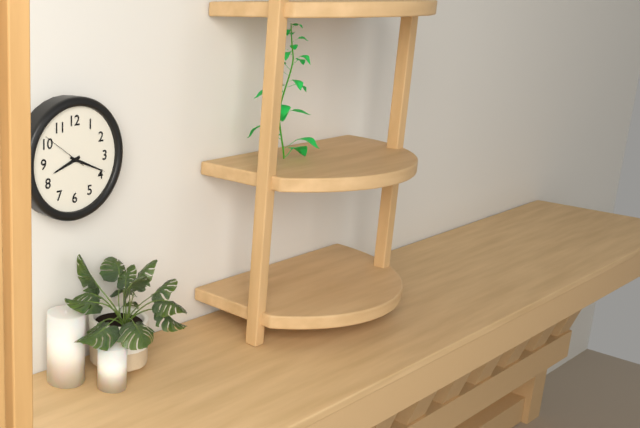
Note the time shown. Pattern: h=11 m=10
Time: h=8 m=19
